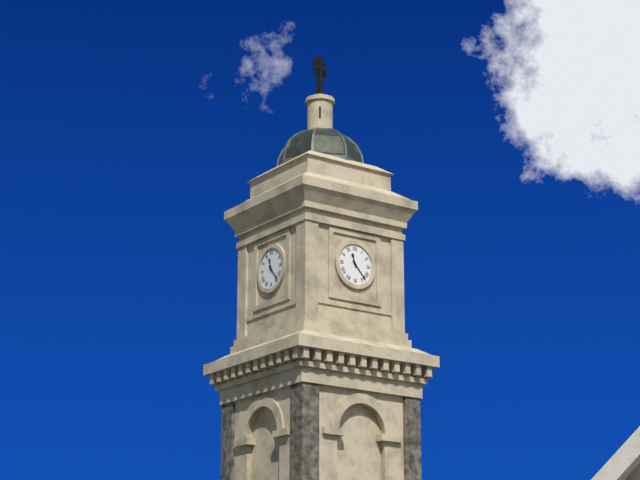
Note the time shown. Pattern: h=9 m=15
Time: h=11 m=23
